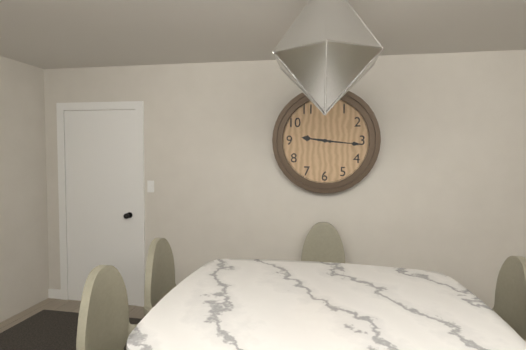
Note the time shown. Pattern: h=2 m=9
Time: h=9 m=16
